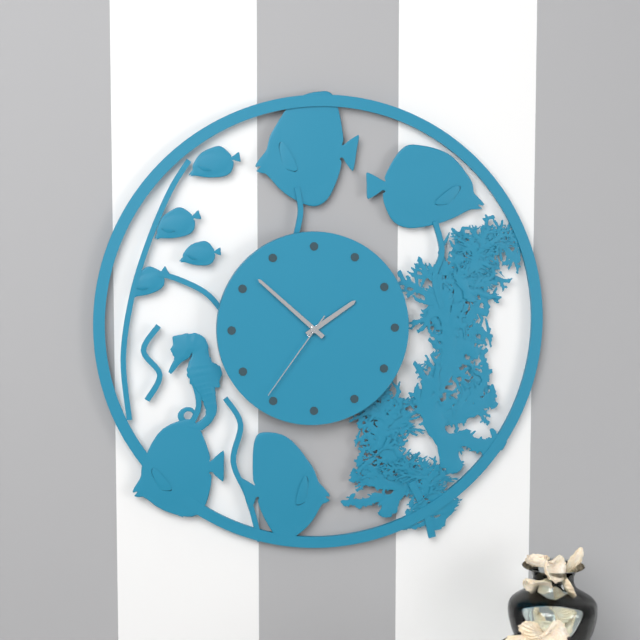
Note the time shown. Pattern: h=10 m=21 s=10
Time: h=1 m=52 s=36
